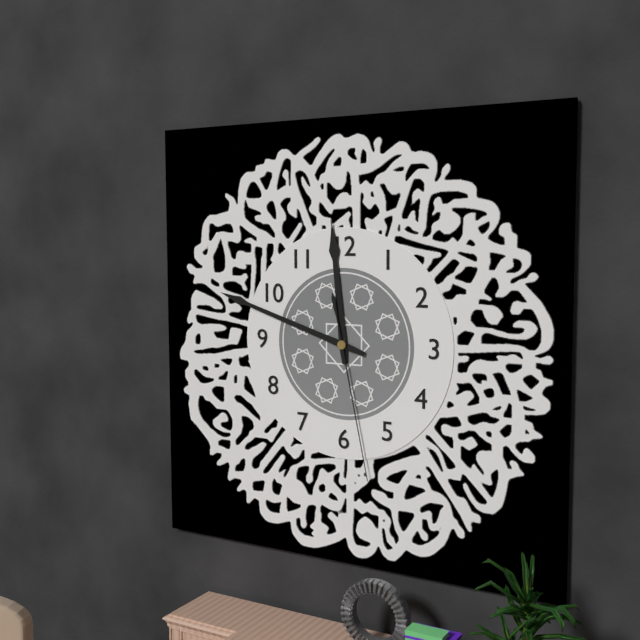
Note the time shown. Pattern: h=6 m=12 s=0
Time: h=11 m=48 s=28
